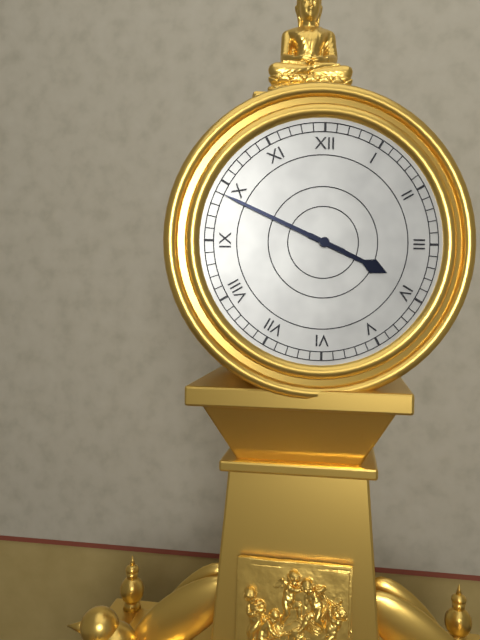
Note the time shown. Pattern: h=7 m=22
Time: h=3 m=49
